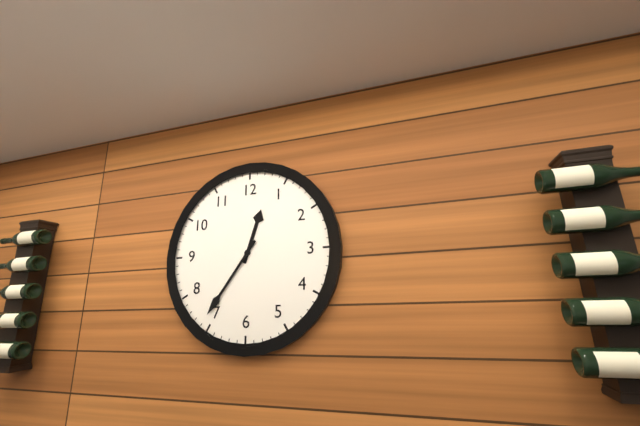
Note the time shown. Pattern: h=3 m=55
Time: h=12 m=36
